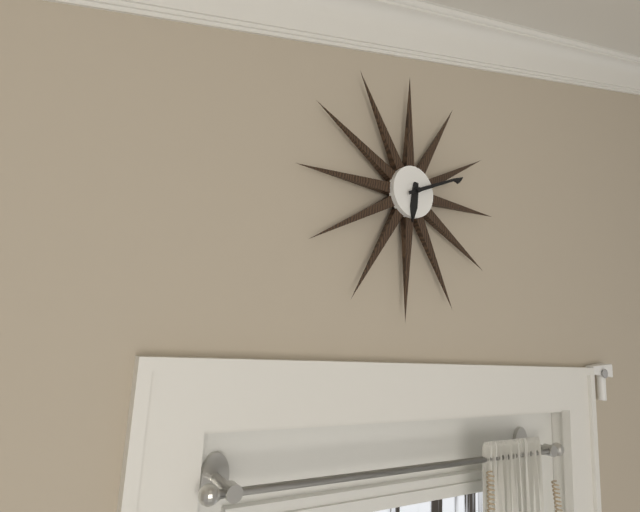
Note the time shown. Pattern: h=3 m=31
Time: h=6 m=11
